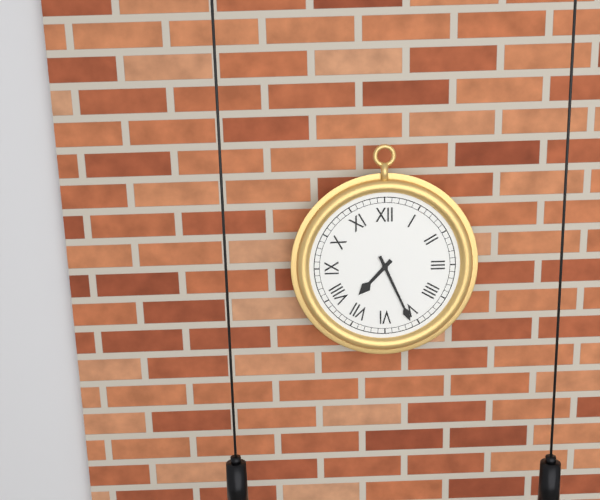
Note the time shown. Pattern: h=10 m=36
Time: h=7 m=26
